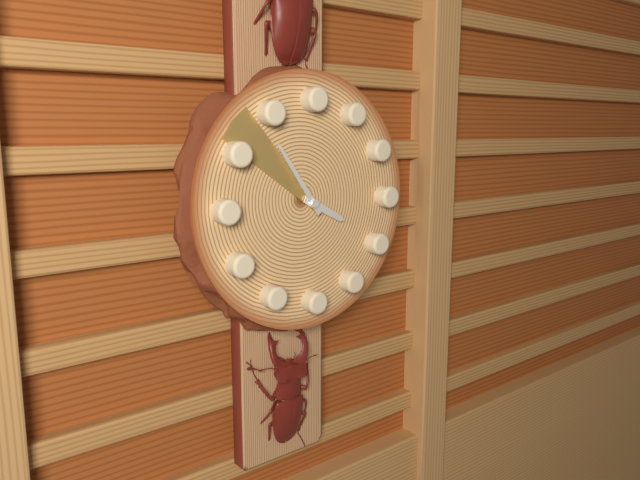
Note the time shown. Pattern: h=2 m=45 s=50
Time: h=3 m=54 s=52
